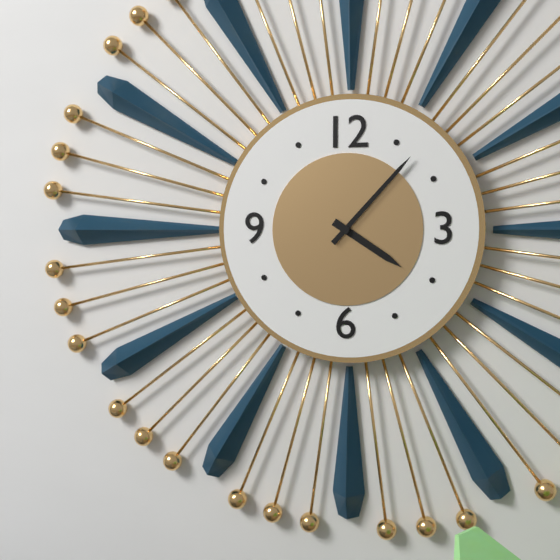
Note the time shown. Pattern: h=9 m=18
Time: h=4 m=7
